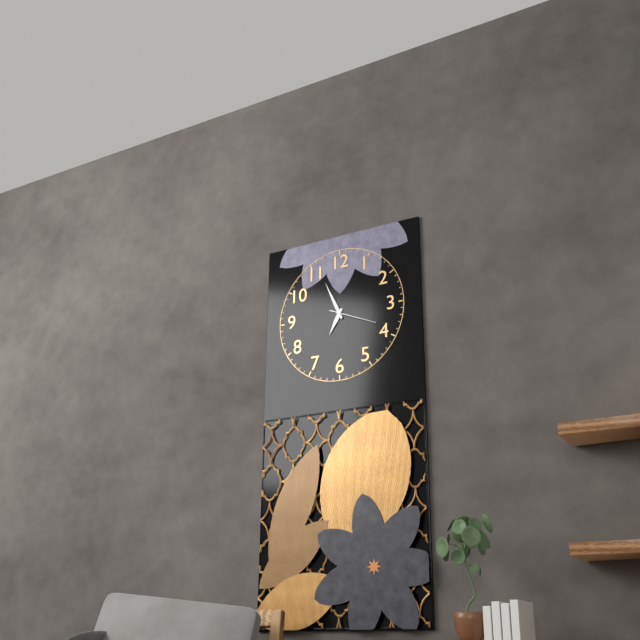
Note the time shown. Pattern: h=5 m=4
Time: h=6 m=56
